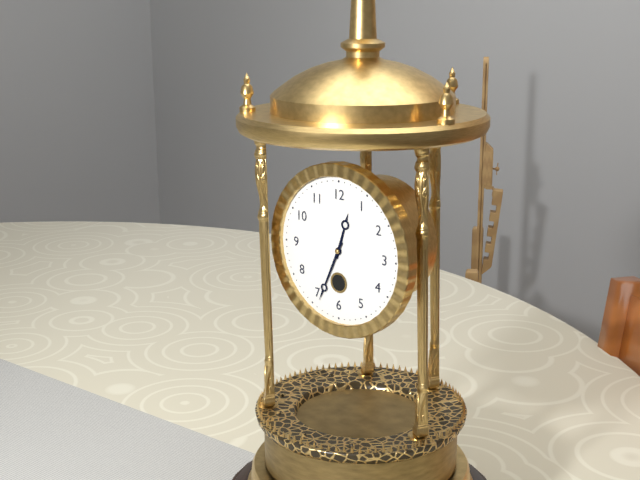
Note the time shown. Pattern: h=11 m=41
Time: h=12 m=34
